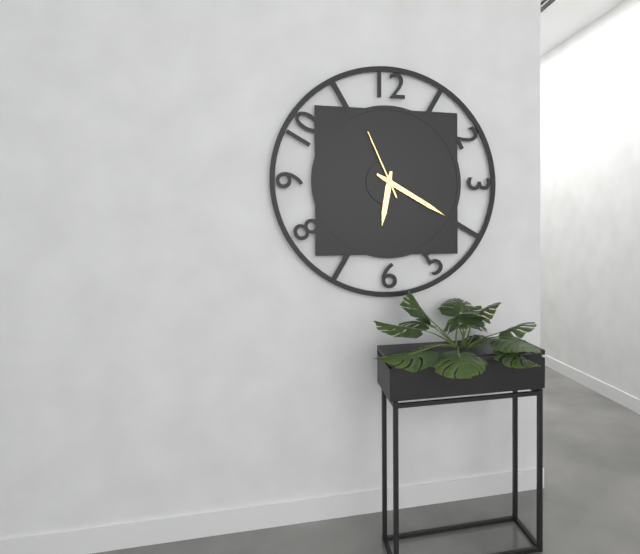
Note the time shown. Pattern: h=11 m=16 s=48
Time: h=6 m=20 s=56
